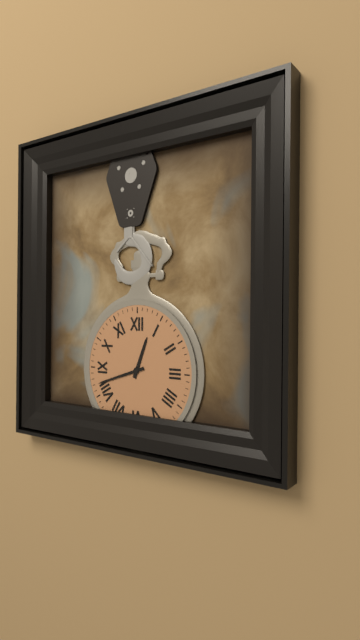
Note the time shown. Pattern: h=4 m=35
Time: h=12 m=42
